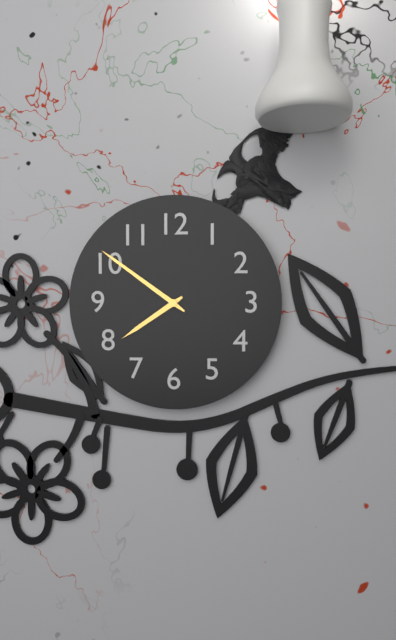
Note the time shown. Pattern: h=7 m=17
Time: h=7 m=51
